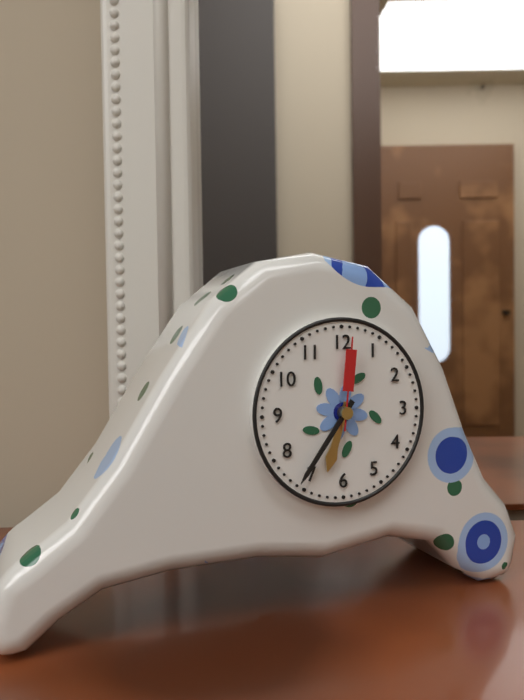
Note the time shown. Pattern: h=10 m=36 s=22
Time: h=6 m=36 s=1
